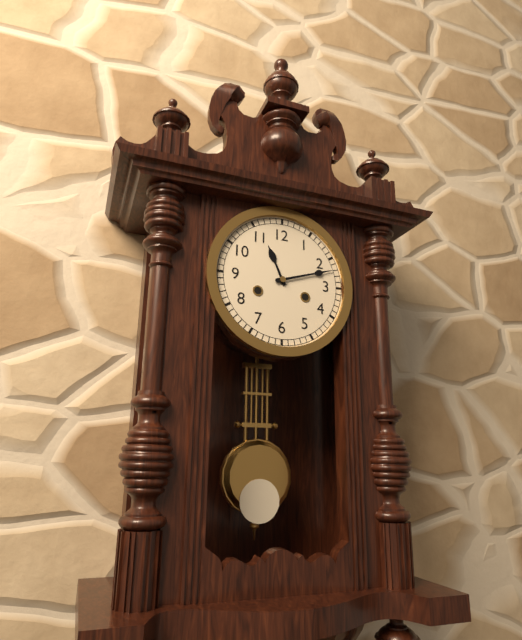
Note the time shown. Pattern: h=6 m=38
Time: h=11 m=12
